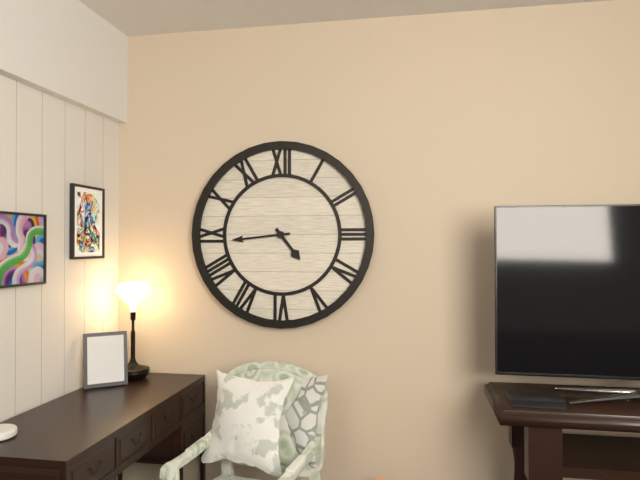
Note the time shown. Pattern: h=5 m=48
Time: h=4 m=44
